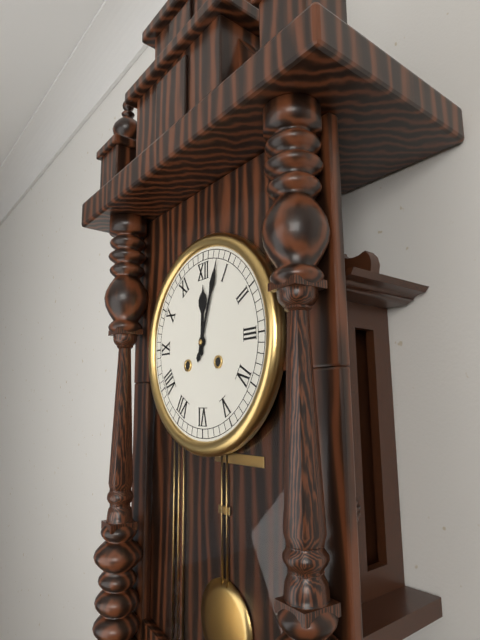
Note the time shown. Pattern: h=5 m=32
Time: h=12 m=3
